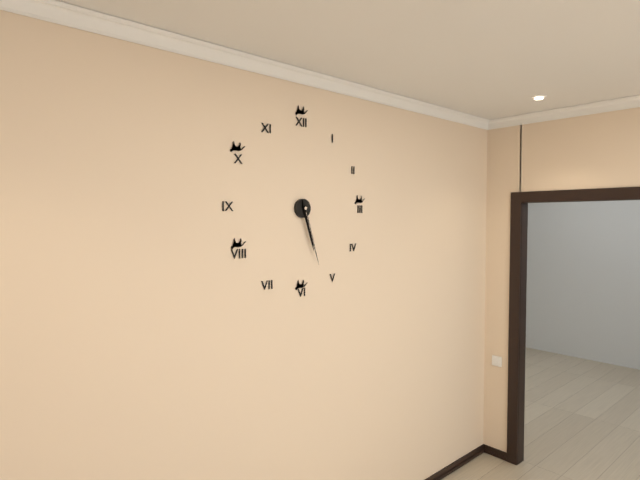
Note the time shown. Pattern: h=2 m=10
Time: h=5 m=27
